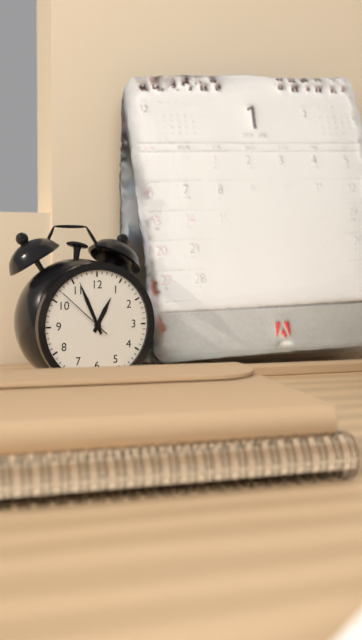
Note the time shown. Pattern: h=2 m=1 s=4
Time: h=12 m=56 s=52
